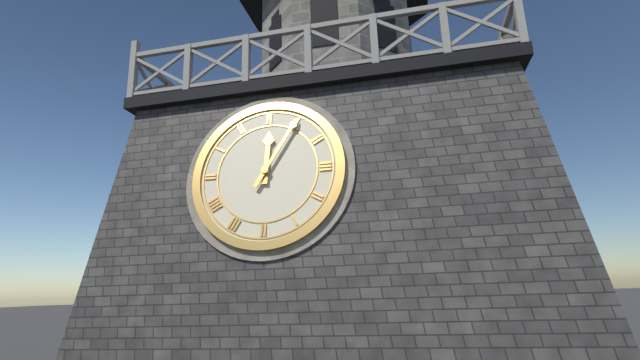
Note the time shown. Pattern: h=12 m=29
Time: h=12 m=5
